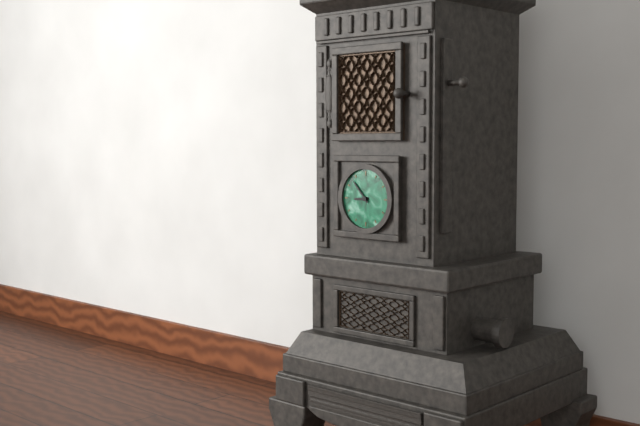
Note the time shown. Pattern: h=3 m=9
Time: h=8 m=53
